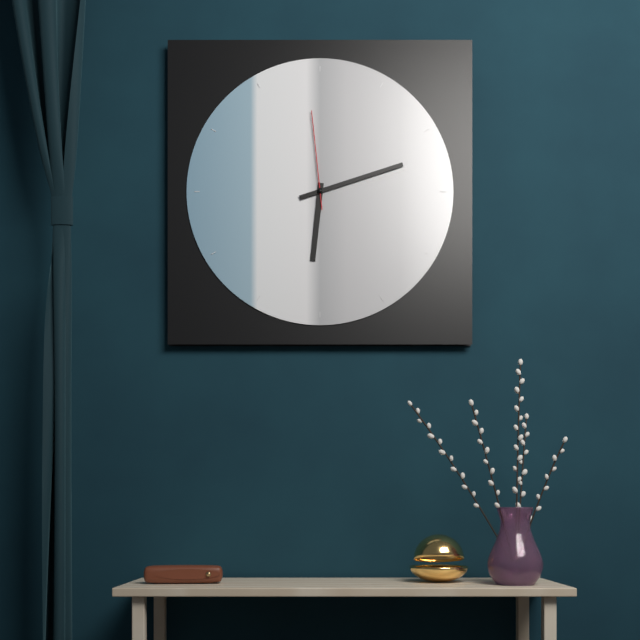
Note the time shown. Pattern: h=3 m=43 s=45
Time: h=6 m=12 s=59
